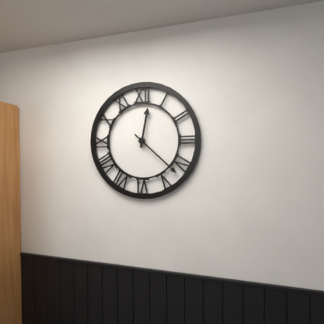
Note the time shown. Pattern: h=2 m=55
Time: h=12 m=22
